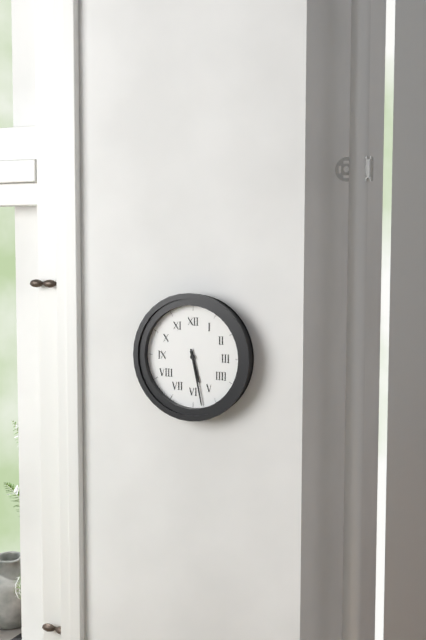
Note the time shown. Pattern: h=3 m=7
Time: h=5 m=28
